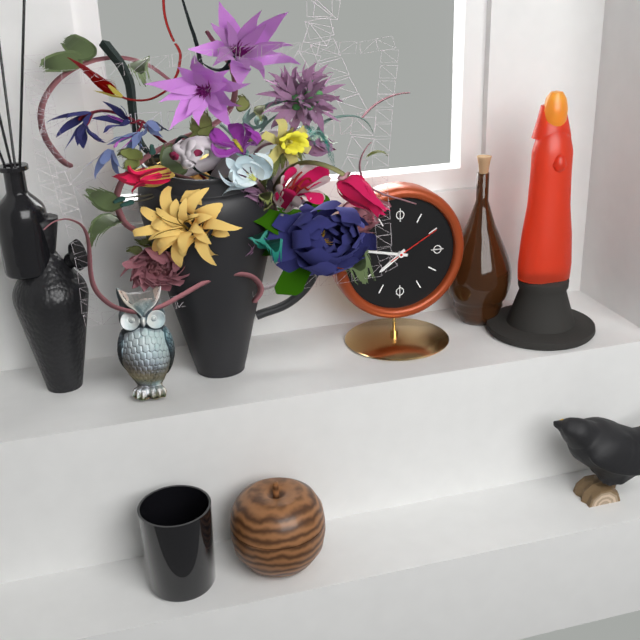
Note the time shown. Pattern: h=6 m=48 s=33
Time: h=7 m=47 s=10
